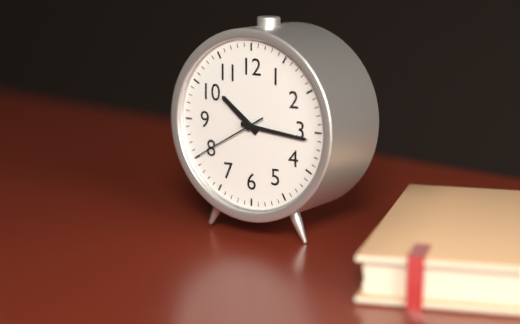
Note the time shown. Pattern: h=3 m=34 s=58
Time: h=10 m=16 s=40
